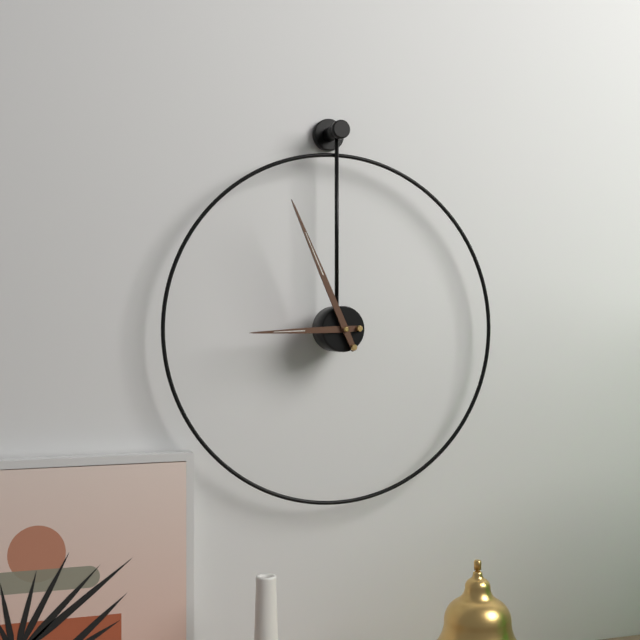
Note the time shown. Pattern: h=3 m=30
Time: h=8 m=56
